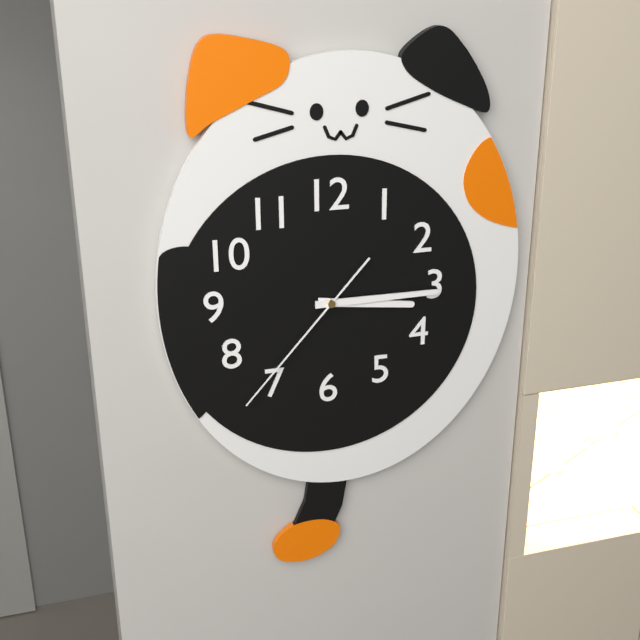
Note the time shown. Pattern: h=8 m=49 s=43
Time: h=3 m=15 s=37
